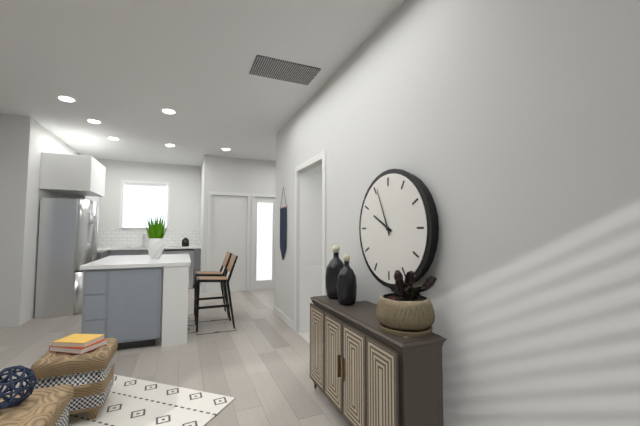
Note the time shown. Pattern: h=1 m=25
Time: h=9 m=56
